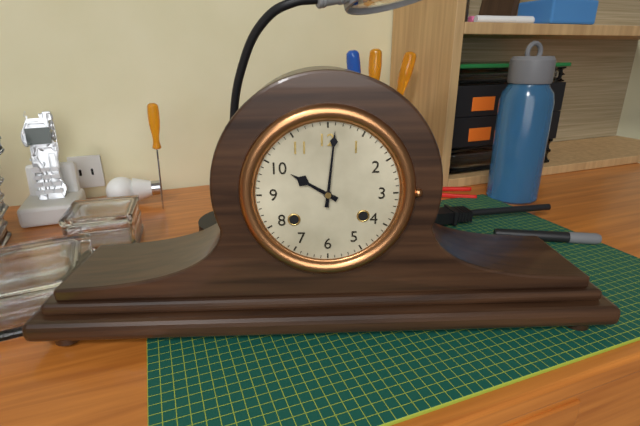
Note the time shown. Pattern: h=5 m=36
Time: h=10 m=1
